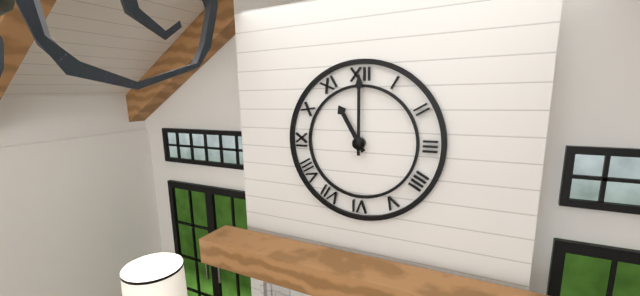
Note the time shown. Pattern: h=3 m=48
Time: h=11 m=0
